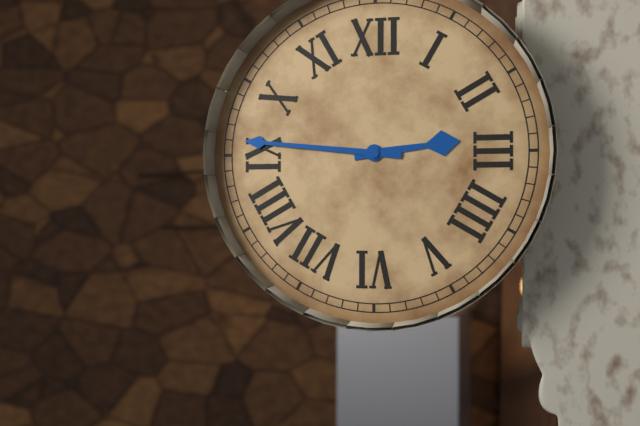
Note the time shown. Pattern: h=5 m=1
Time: h=2 m=46
